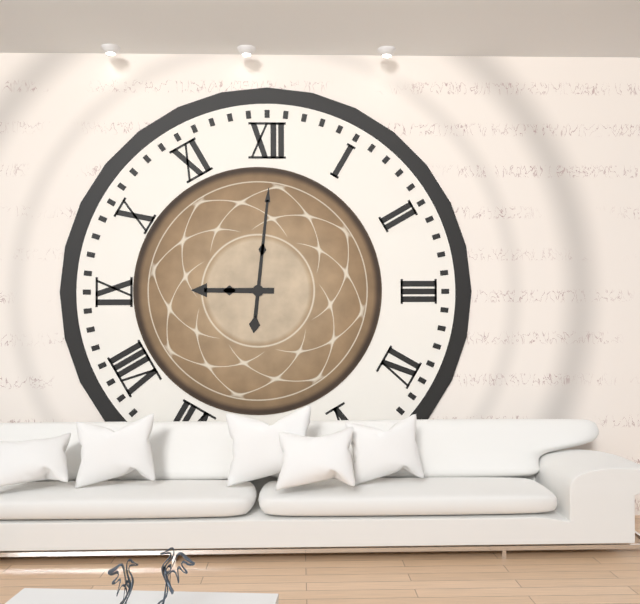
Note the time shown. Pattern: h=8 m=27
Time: h=9 m=1
